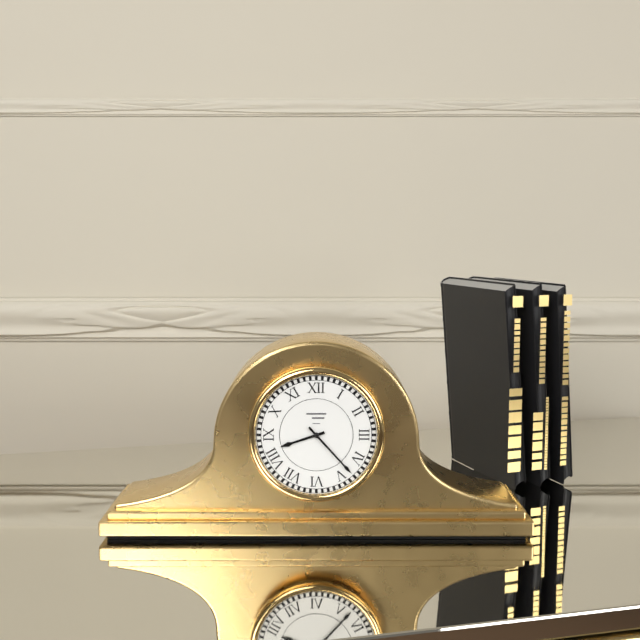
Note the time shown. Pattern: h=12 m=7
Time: h=8 m=23
